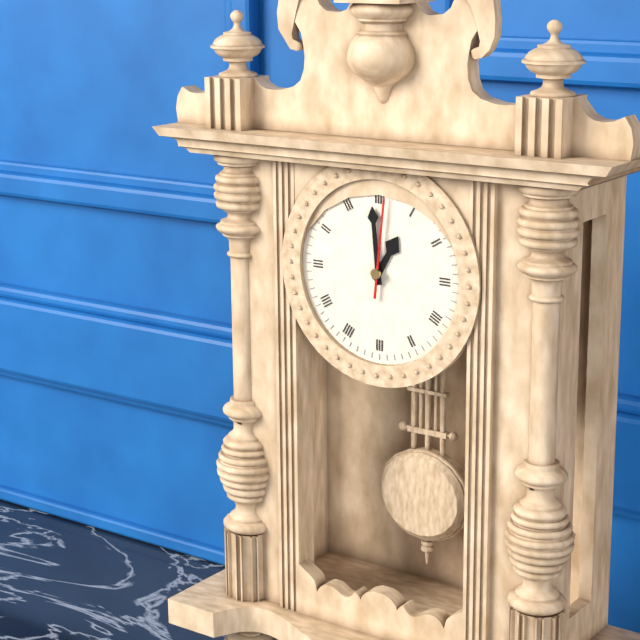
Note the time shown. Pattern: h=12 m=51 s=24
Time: h=12 m=59 s=1
